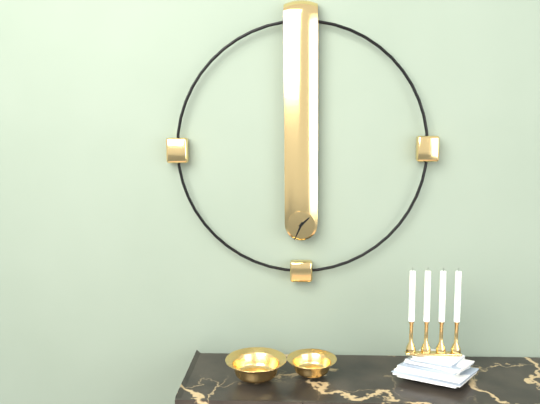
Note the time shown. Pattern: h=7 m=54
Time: h=1 m=34
